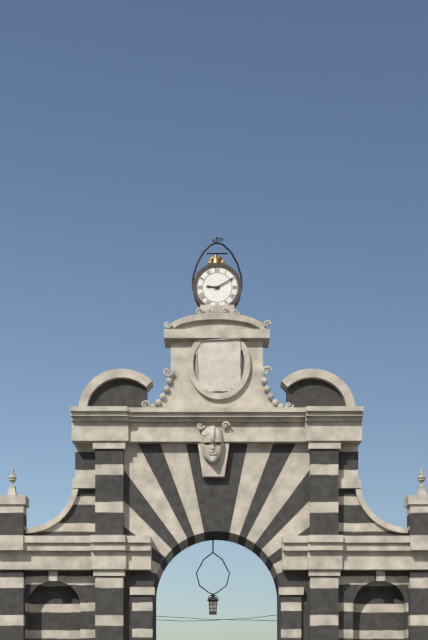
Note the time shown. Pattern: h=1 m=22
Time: h=9 m=10
